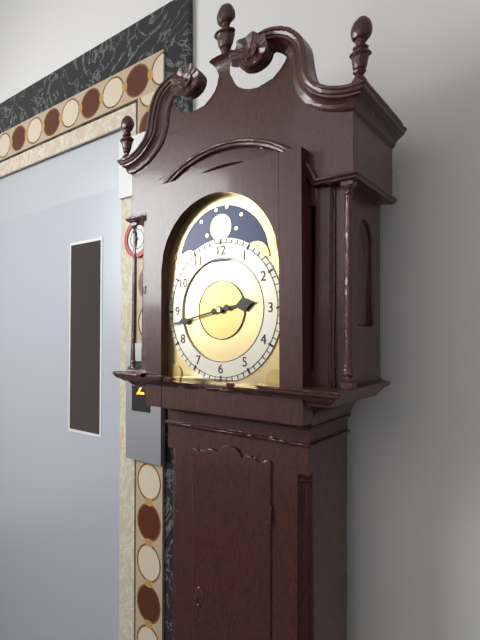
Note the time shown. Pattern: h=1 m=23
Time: h=2 m=43
